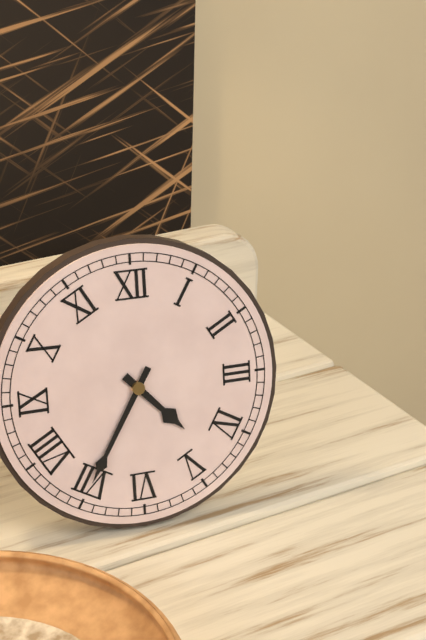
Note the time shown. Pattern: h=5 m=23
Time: h=4 m=35
